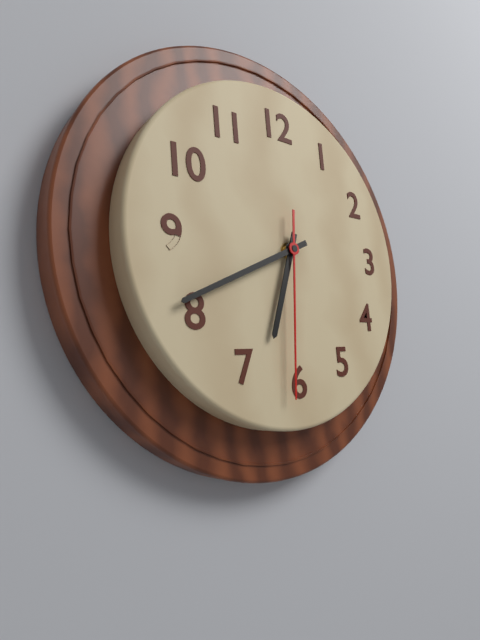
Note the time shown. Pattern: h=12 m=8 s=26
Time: h=6 m=41 s=31
